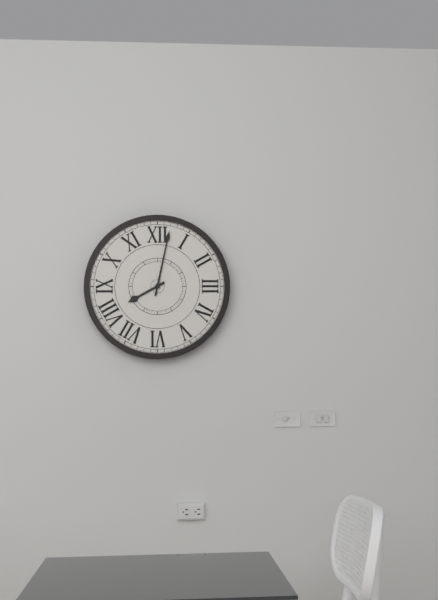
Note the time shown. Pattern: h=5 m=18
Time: h=8 m=2
